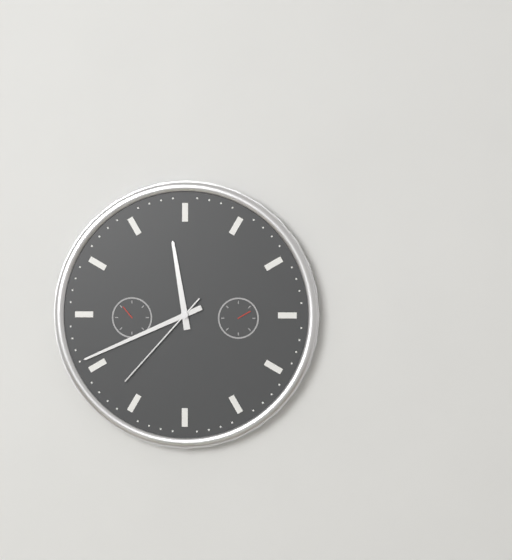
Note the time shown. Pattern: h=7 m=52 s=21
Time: h=11 m=41 s=37
